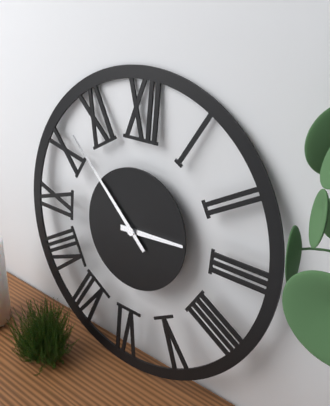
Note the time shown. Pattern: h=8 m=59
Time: h=2 m=52
